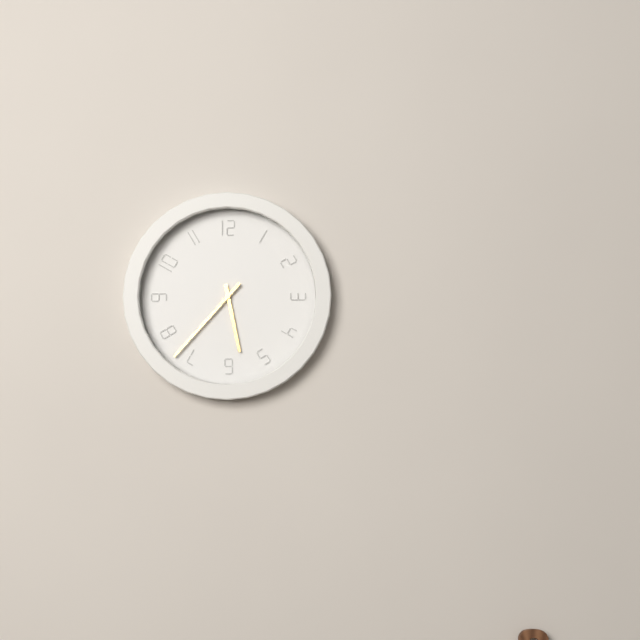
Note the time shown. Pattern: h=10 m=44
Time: h=5 m=37
